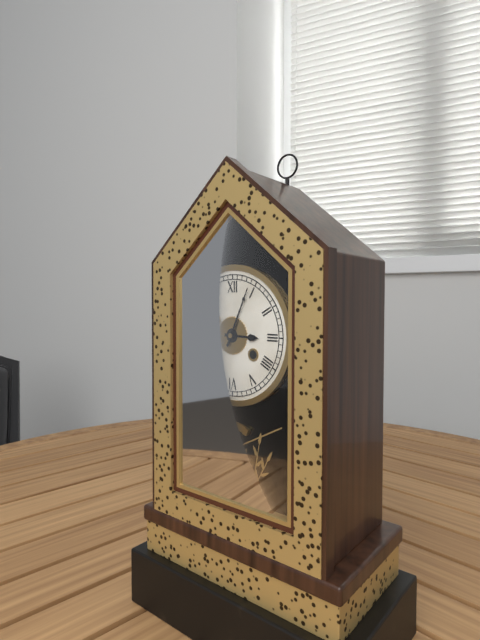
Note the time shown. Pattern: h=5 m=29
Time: h=3 m=4
